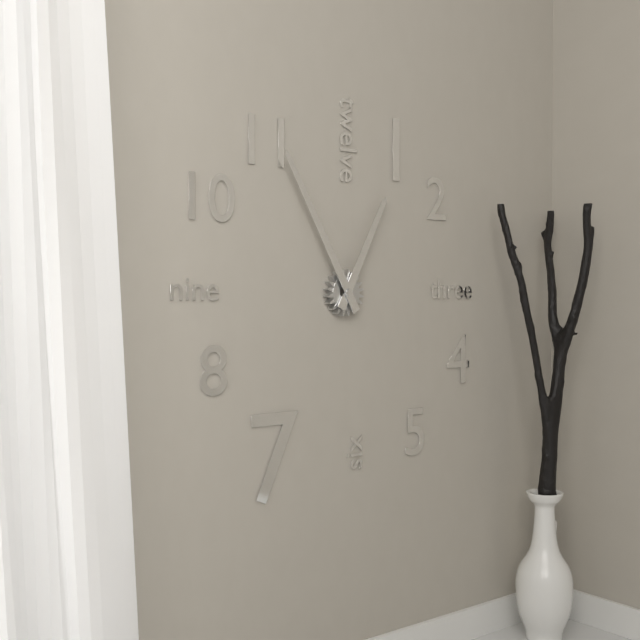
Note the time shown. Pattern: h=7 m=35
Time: h=12 m=55
